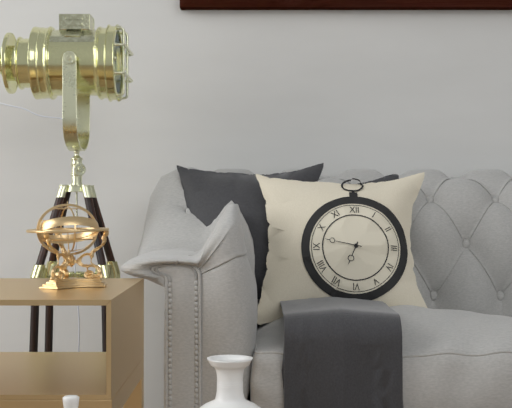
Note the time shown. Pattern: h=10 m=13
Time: h=6 m=47
